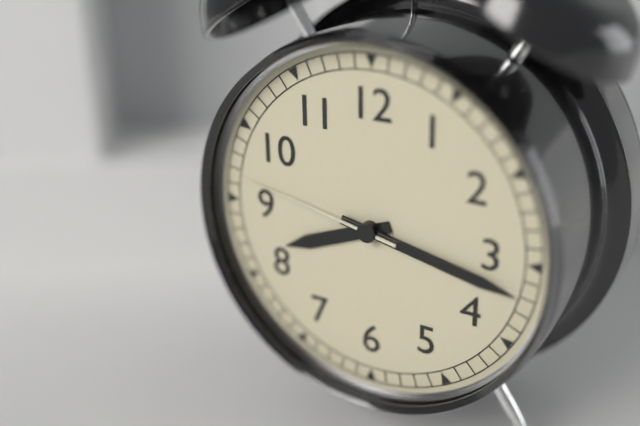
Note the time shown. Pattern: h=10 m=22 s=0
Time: h=8 m=17 s=47
